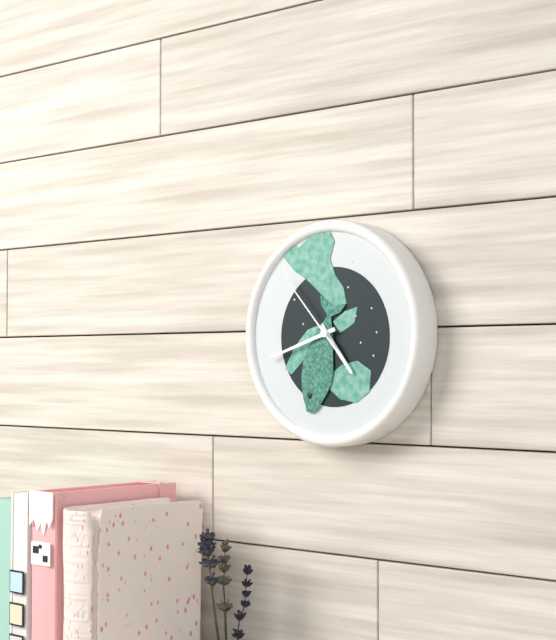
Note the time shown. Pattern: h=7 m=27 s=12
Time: h=4 m=42 s=53
